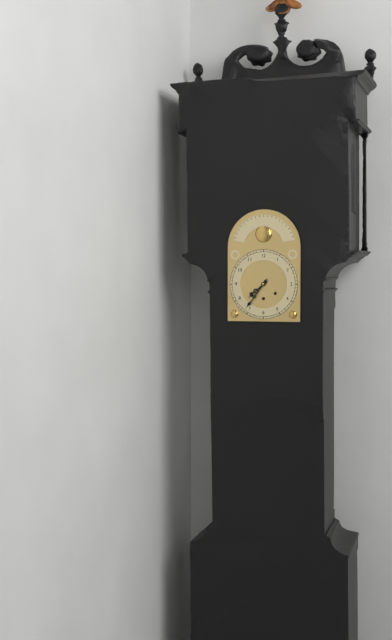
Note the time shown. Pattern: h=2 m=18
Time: h=7 m=36
